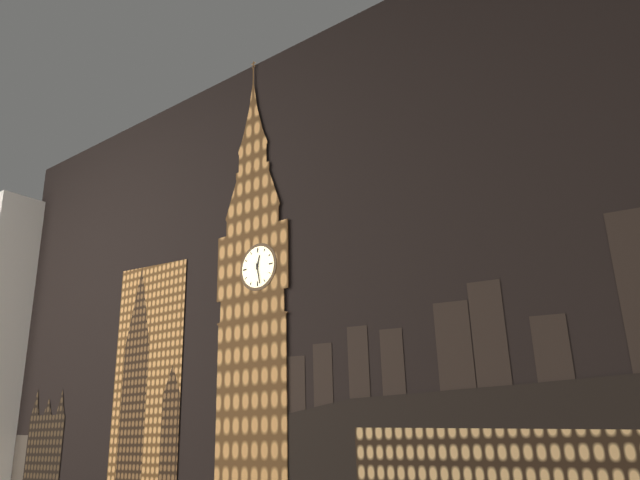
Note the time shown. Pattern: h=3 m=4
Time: h=12 m=28
